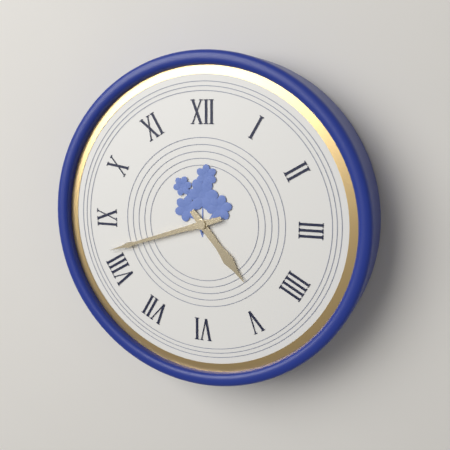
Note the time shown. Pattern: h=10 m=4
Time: h=4 m=42
